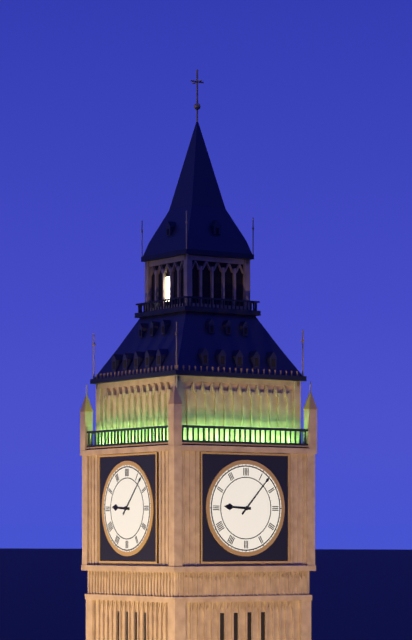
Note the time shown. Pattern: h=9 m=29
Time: h=9 m=7
